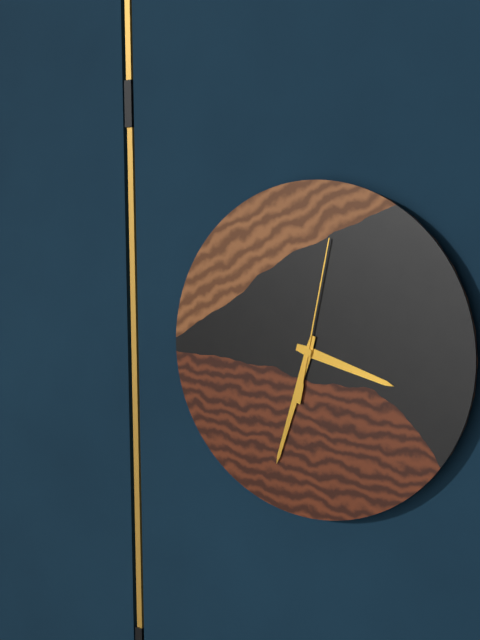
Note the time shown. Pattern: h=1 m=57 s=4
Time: h=3 m=33 s=2
